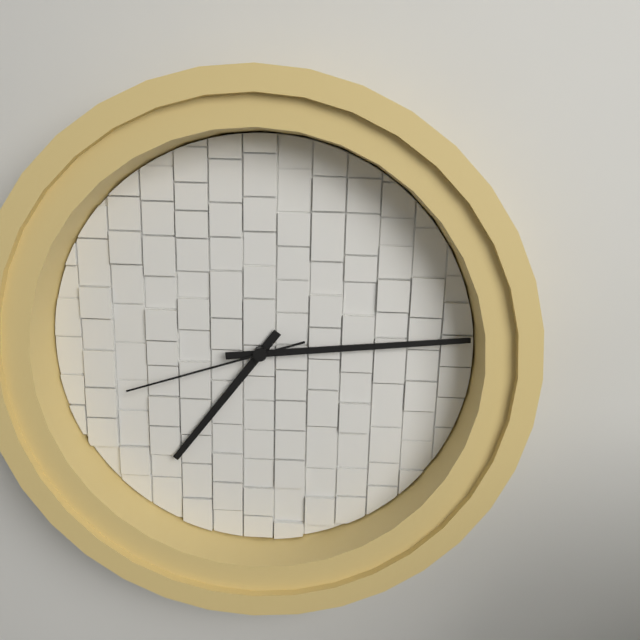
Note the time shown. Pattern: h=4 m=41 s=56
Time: h=7 m=14 s=42
